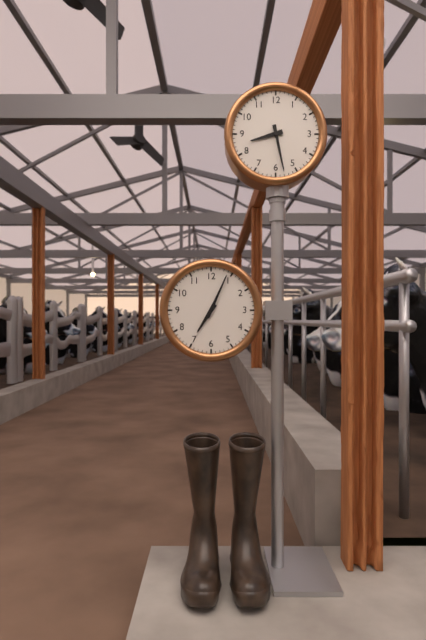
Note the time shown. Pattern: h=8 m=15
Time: h=8 m=28
